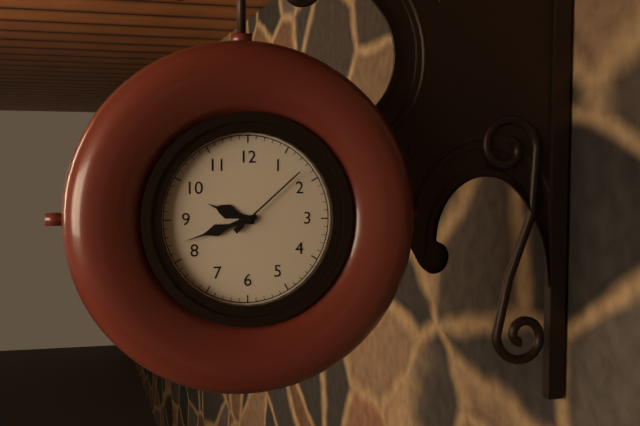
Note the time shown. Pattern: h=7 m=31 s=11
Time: h=9 m=42 s=8
